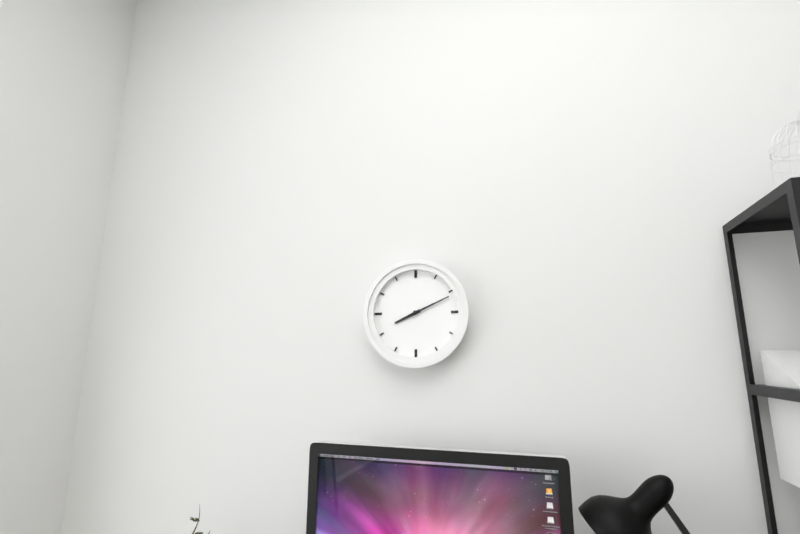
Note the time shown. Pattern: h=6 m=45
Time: h=8 m=11
